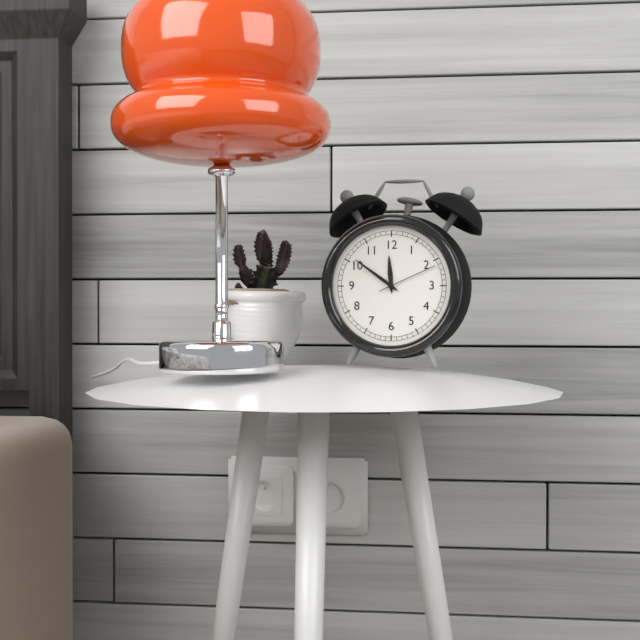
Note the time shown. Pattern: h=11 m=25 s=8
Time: h=11 m=51 s=11
